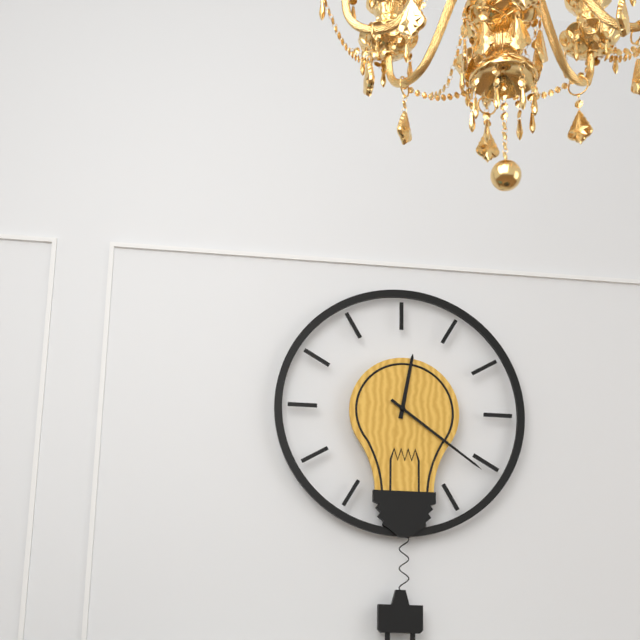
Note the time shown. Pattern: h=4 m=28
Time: h=12 m=21
